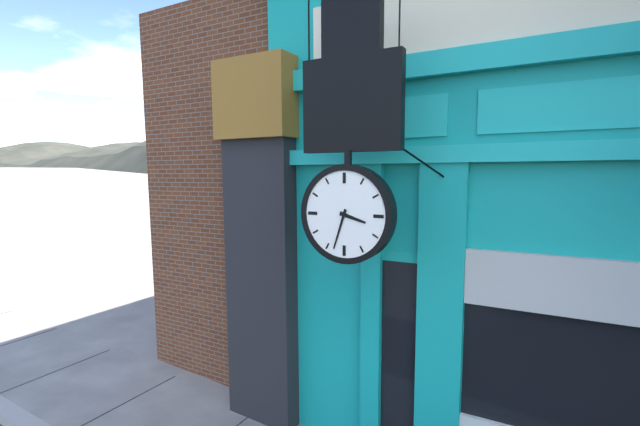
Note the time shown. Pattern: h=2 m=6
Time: h=3 m=33
